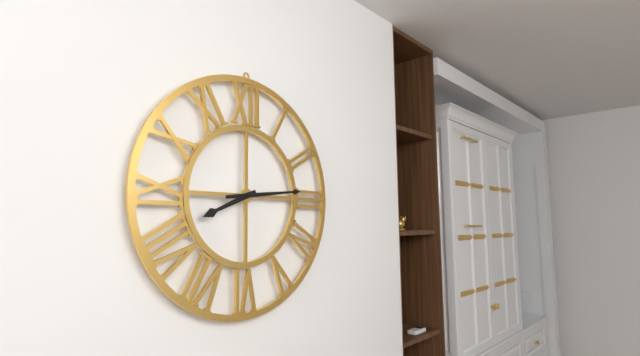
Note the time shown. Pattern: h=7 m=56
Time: h=8 m=14
